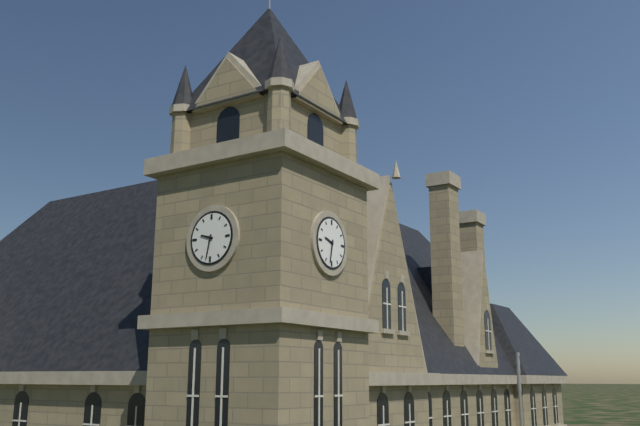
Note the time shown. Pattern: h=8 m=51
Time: h=9 m=32
